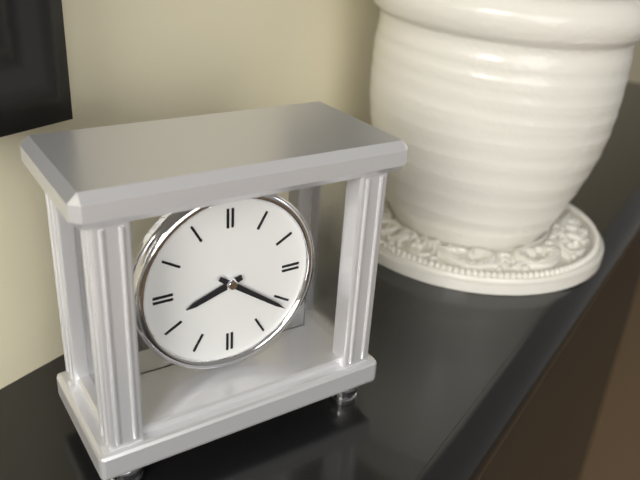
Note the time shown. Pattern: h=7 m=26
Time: h=8 m=21
